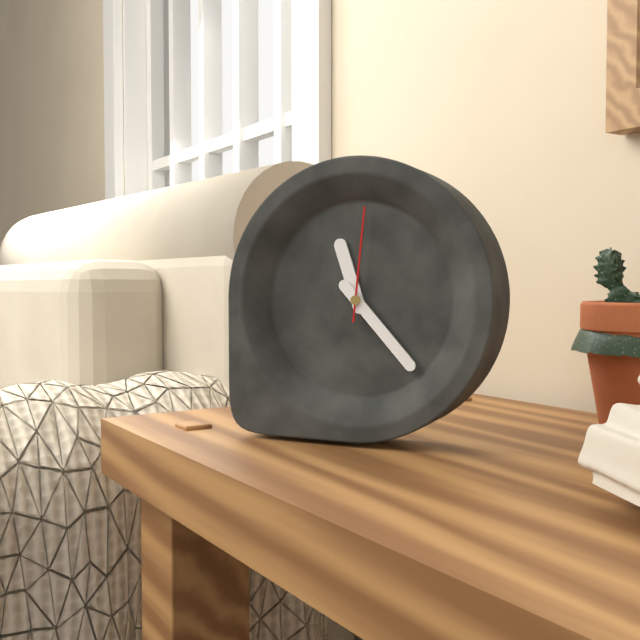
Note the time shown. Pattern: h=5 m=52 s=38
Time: h=11 m=23 s=1
